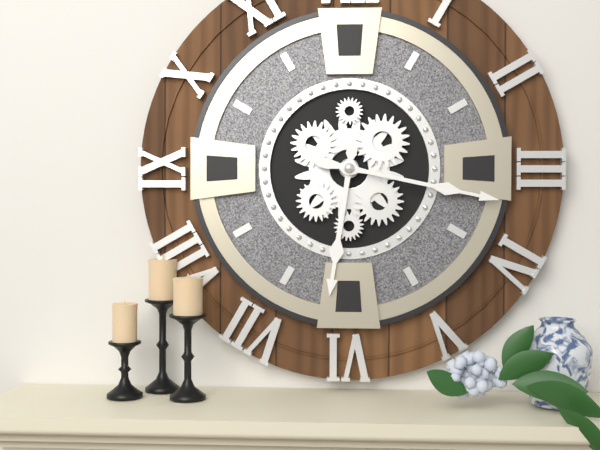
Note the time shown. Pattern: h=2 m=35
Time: h=6 m=17
